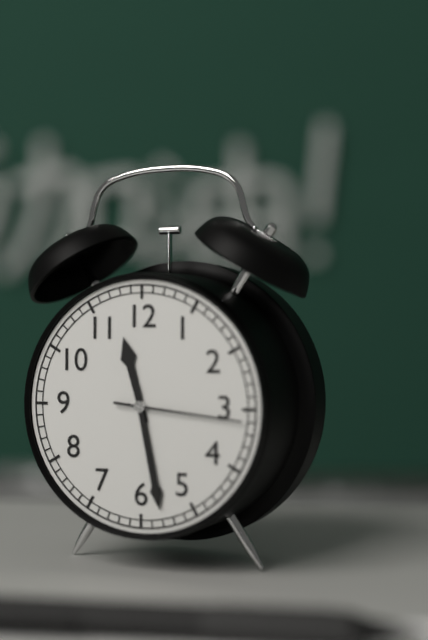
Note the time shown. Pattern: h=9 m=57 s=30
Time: h=11 m=28 s=16
